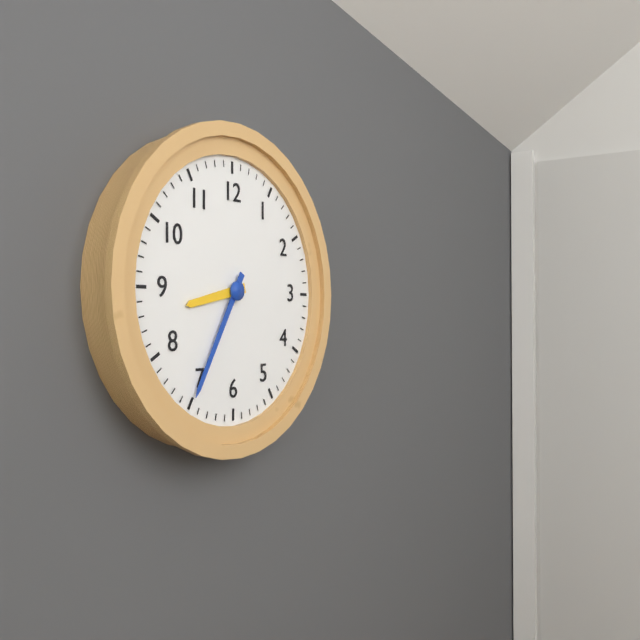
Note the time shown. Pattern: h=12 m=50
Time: h=8 m=35
